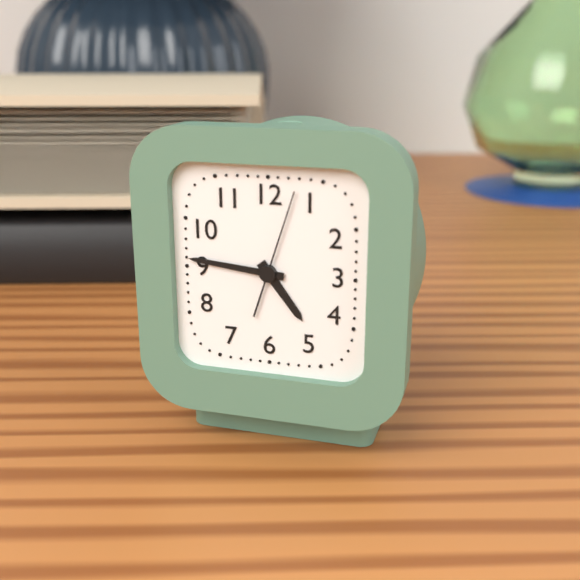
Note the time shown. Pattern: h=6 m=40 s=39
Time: h=4 m=46 s=3
